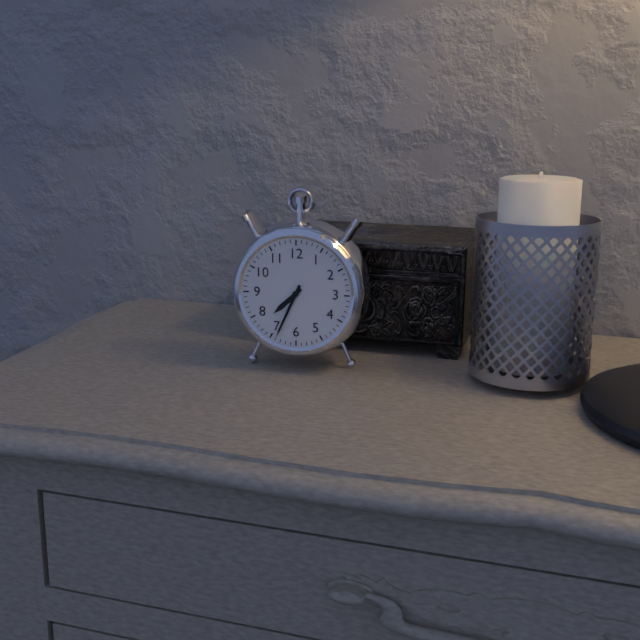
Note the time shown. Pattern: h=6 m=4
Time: h=7 m=34
